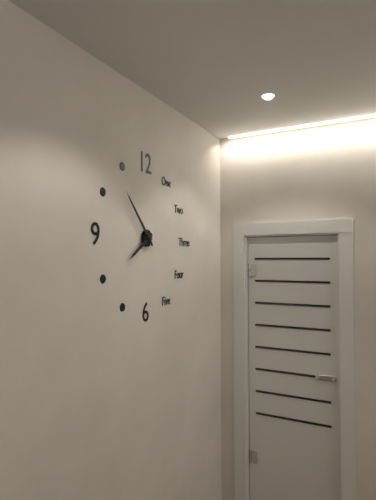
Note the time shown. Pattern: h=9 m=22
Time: h=7 m=53
